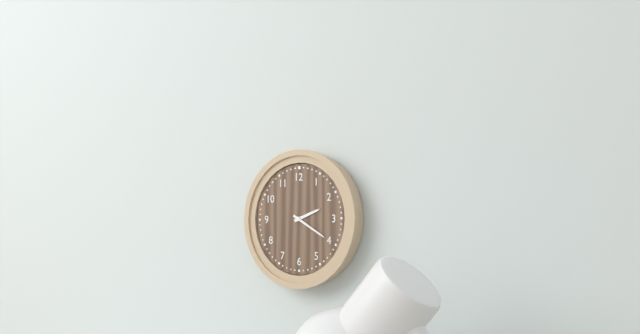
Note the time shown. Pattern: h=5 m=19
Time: h=2 m=20
